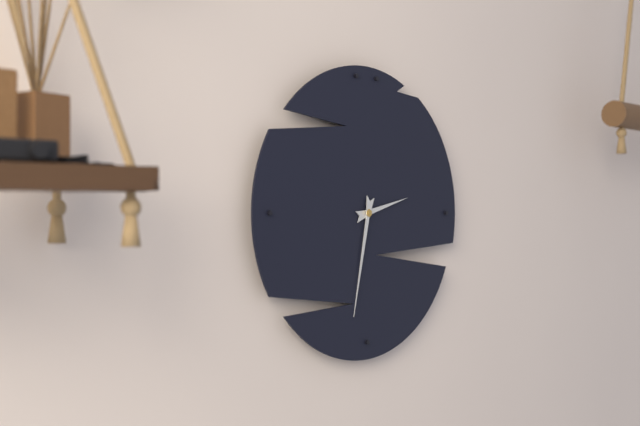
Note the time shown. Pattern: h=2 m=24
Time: h=2 m=32
